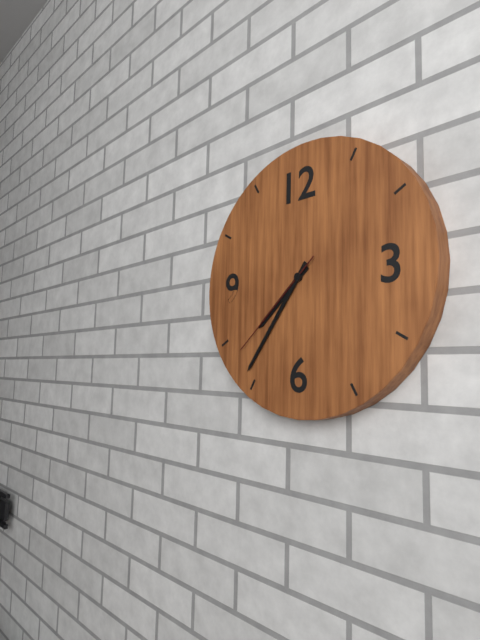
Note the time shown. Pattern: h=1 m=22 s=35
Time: h=7 m=36 s=38
